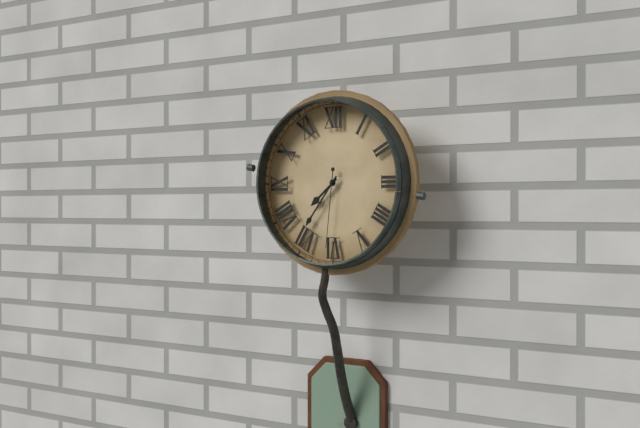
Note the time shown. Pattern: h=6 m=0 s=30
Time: h=7 m=36 s=31
